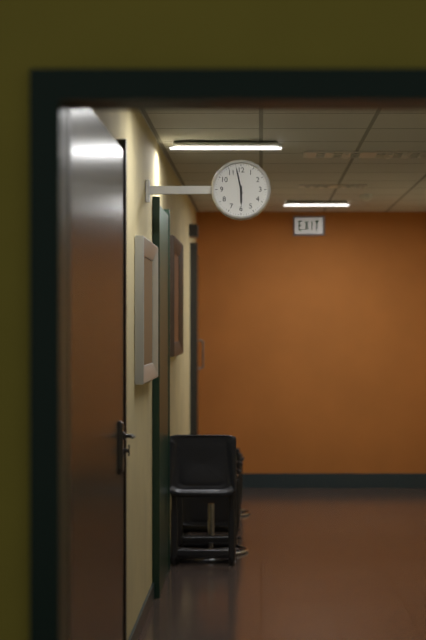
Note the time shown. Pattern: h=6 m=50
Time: h=5 m=58
